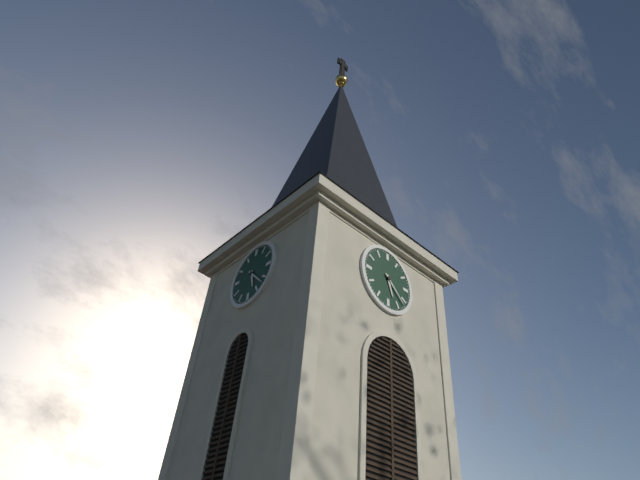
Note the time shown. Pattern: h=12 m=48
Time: h=5 m=22
